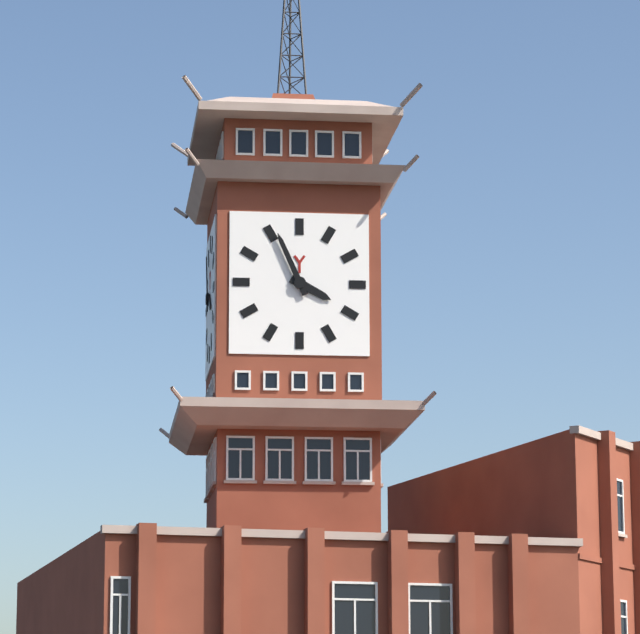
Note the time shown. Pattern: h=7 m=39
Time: h=3 m=56
